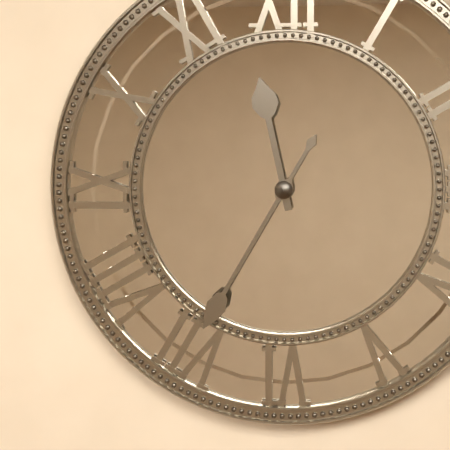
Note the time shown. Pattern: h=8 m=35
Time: h=11 m=35
